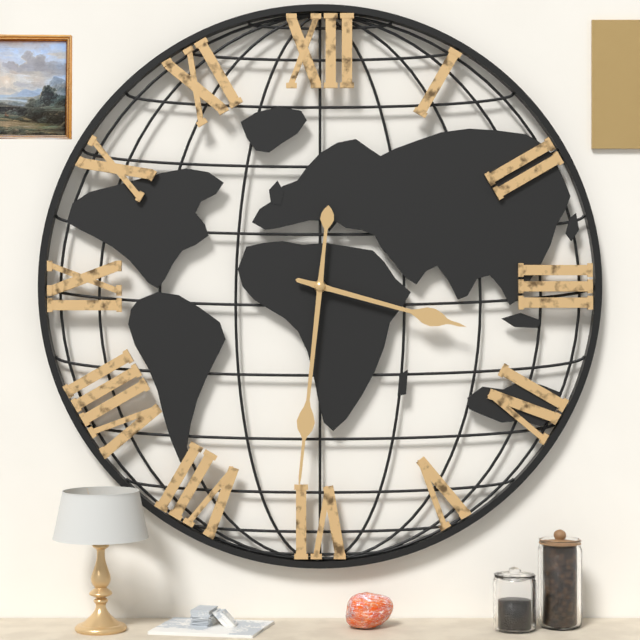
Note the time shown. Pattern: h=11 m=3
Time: h=3 m=31
